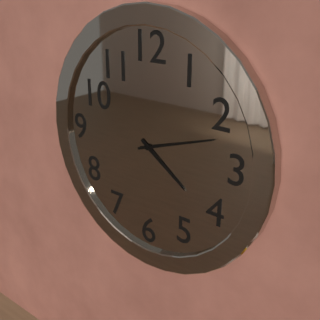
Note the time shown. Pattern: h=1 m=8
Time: h=4 m=12
